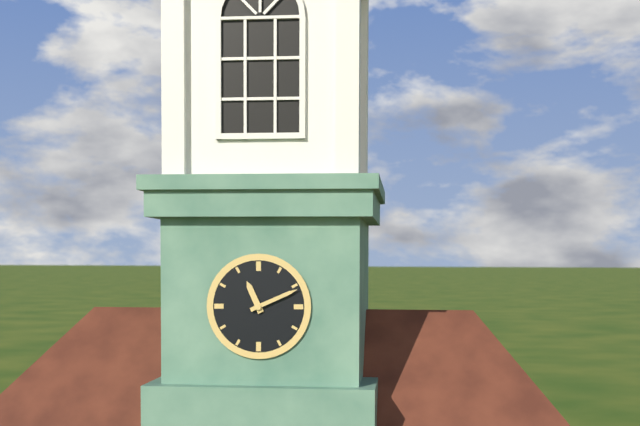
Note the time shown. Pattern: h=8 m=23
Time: h=11 m=11
